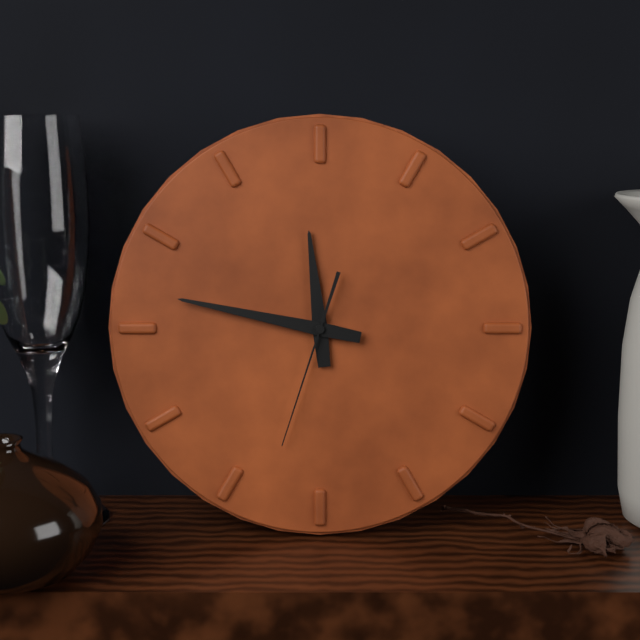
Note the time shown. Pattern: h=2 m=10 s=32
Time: h=11 m=47 s=33
